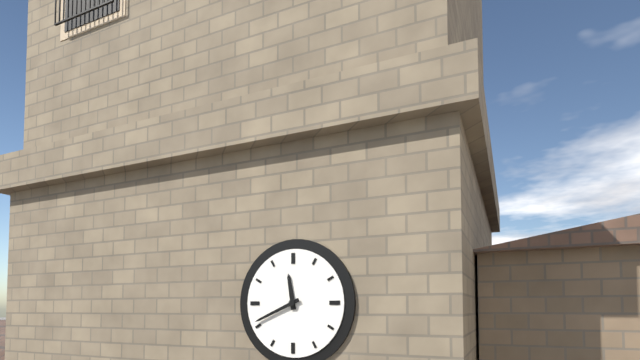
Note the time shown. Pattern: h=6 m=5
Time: h=11 m=41
